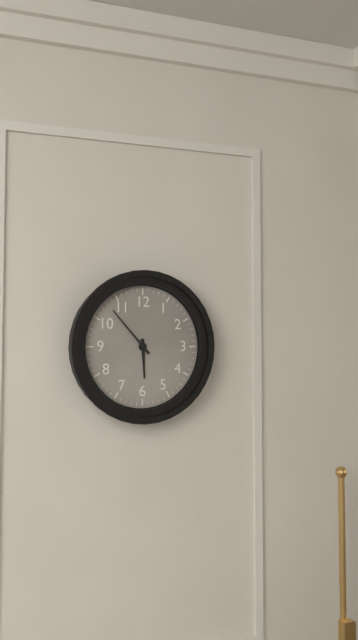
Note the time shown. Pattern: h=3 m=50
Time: h=5 m=53
